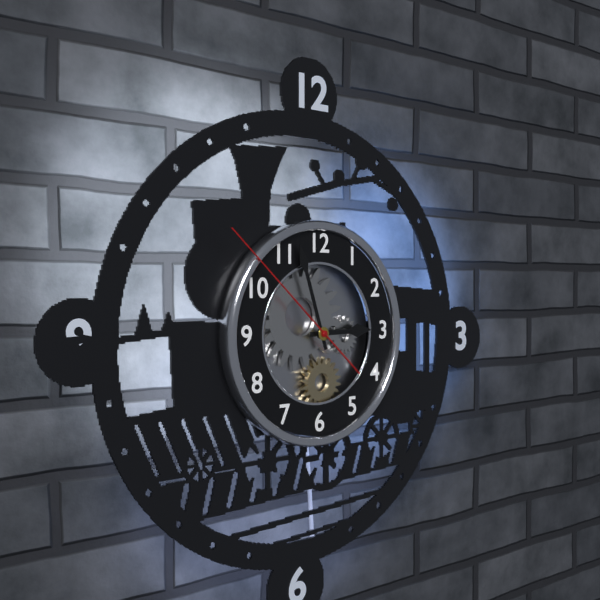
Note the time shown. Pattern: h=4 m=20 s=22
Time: h=2 m=57 s=52
